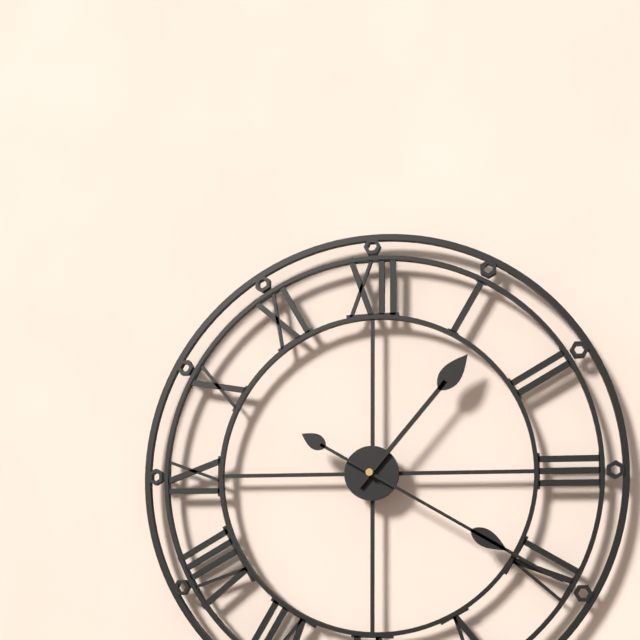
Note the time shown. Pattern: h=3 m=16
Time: h=1 m=20
